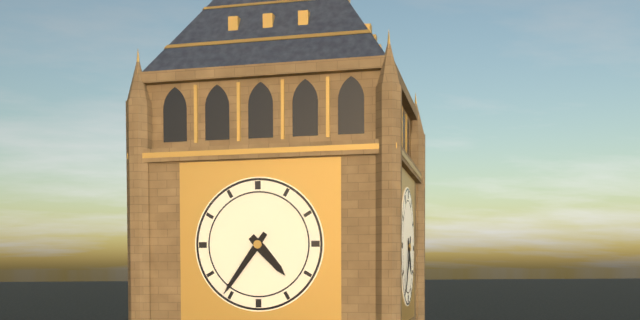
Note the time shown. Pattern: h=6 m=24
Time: h=4 m=36
